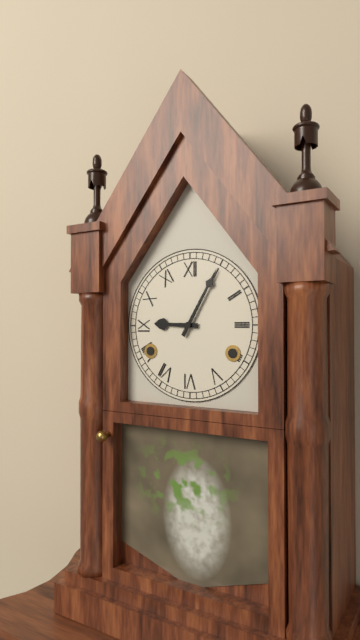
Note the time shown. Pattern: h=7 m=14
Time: h=9 m=5
